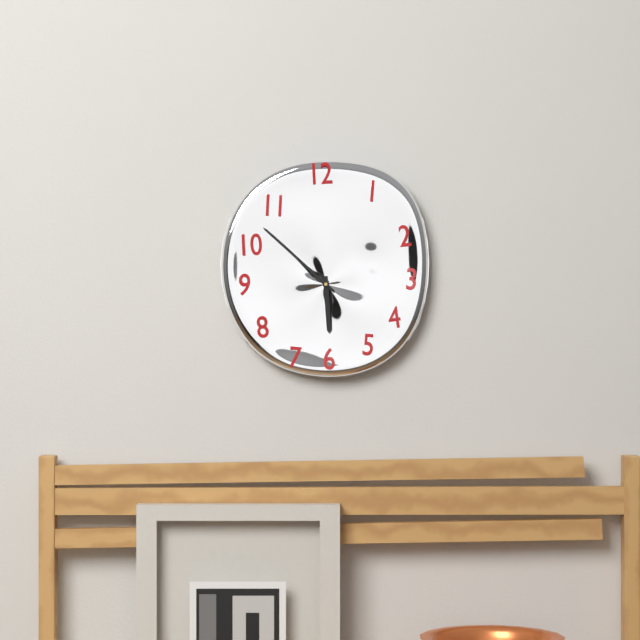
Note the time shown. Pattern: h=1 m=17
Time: h=5 m=52
